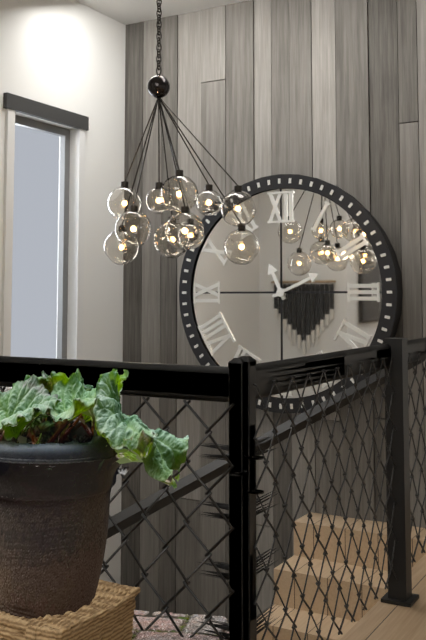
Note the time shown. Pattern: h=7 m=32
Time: h=11 m=11
